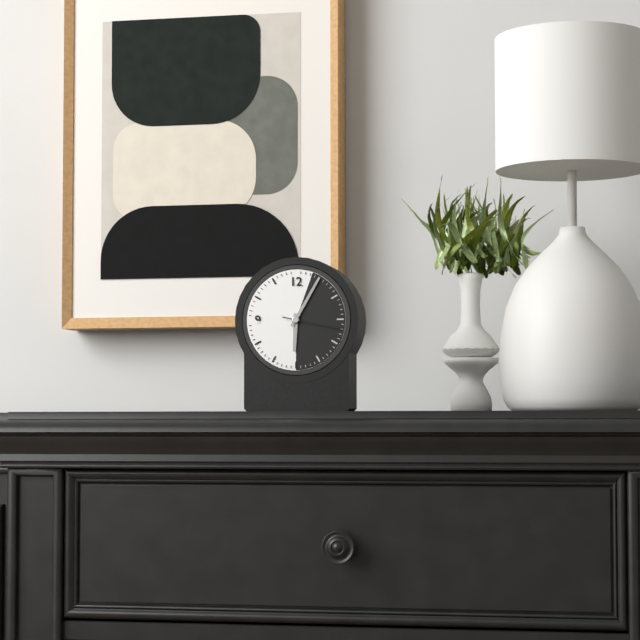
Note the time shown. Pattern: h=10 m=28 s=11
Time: h=6 m=5 s=17
